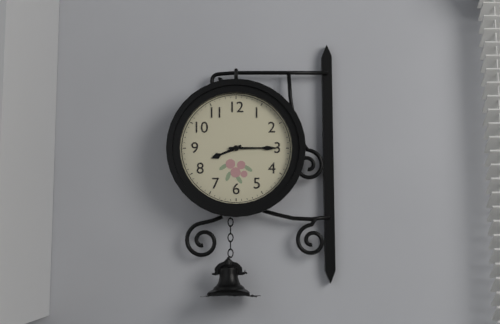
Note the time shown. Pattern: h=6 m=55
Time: h=8 m=15
